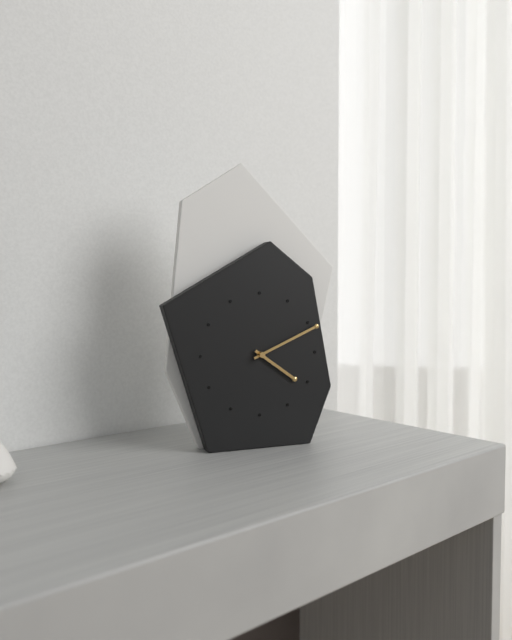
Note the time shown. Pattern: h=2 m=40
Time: h=4 m=11
